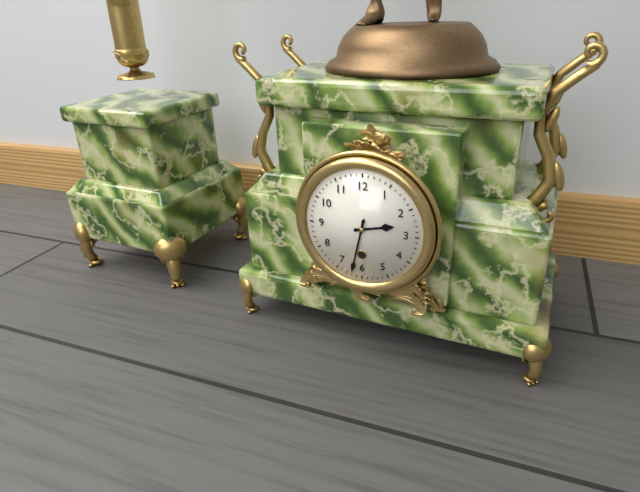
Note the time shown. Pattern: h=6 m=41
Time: h=2 m=32
